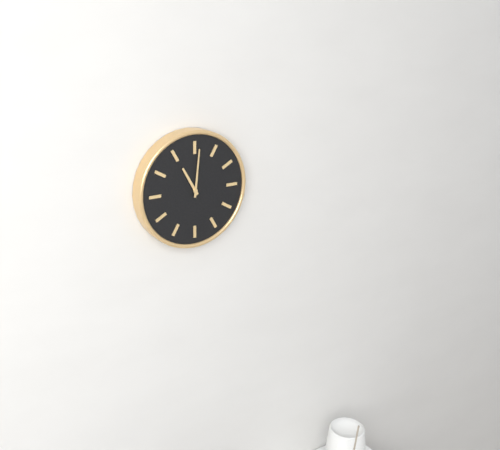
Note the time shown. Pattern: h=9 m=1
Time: h=11 m=1
